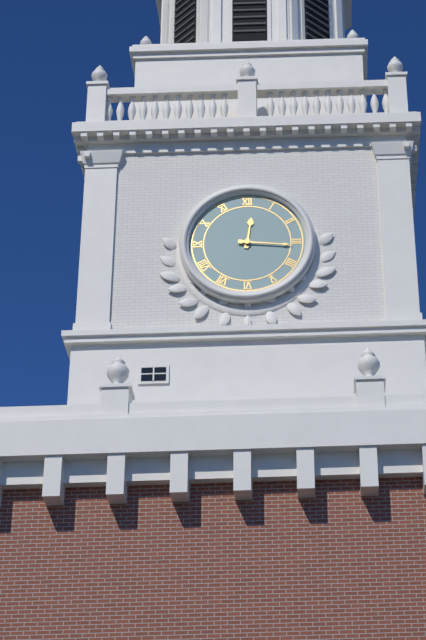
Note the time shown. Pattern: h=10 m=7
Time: h=12 m=16
